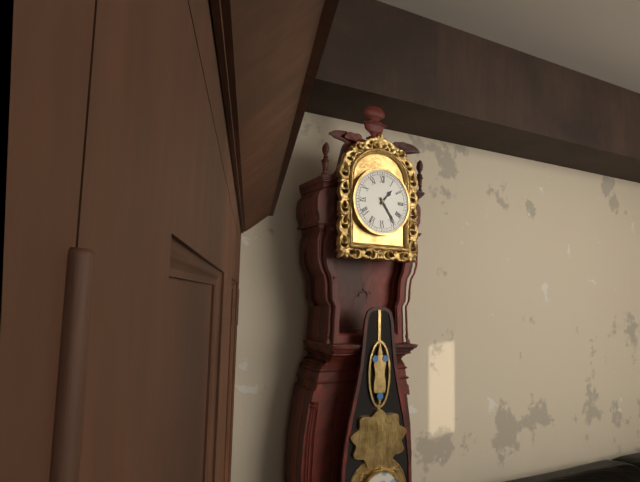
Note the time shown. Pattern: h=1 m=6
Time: h=1 m=24
